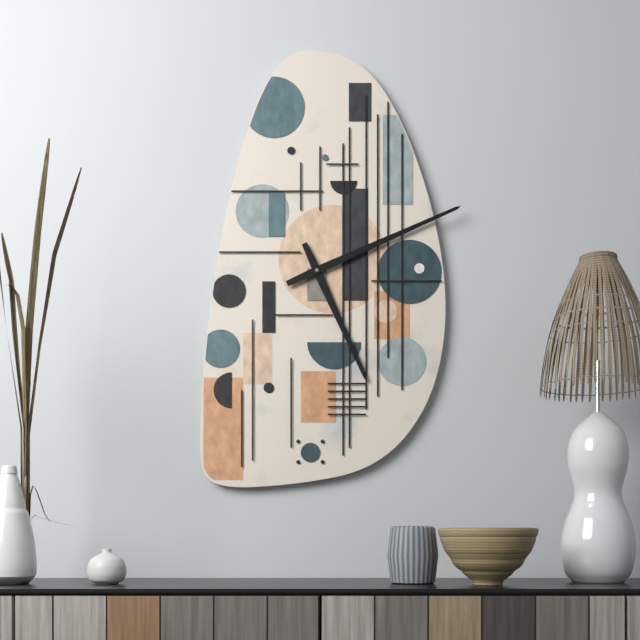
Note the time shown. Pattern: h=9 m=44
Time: h=5 m=11
